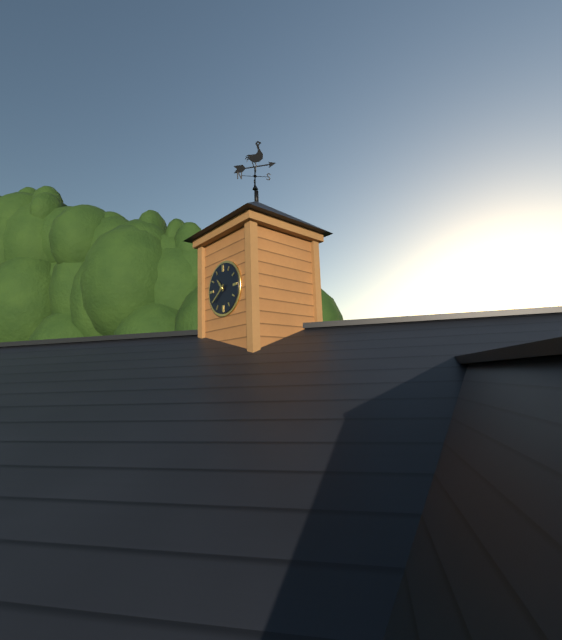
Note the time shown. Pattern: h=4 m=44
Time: h=10 m=39
